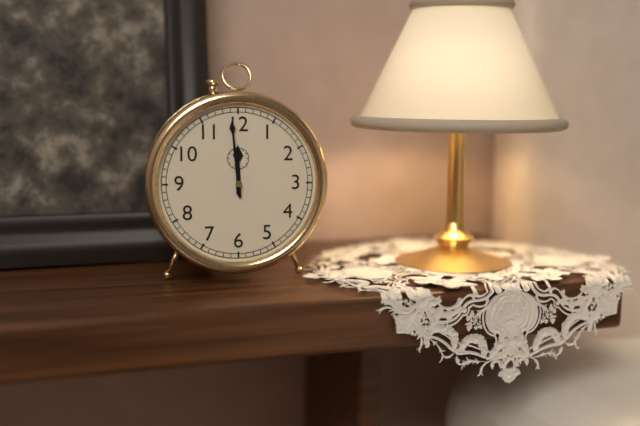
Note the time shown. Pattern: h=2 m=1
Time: h=11 m=59
